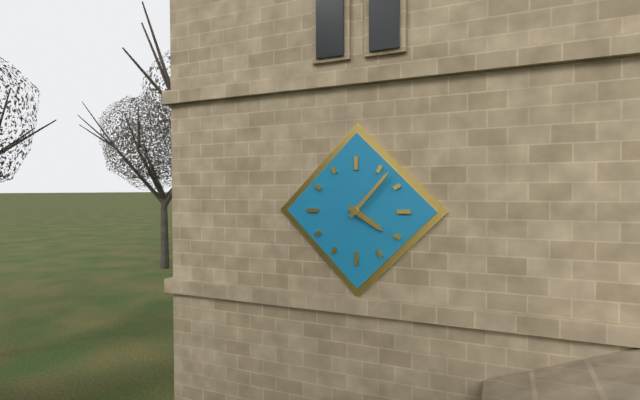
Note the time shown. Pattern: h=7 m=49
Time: h=4 m=7
